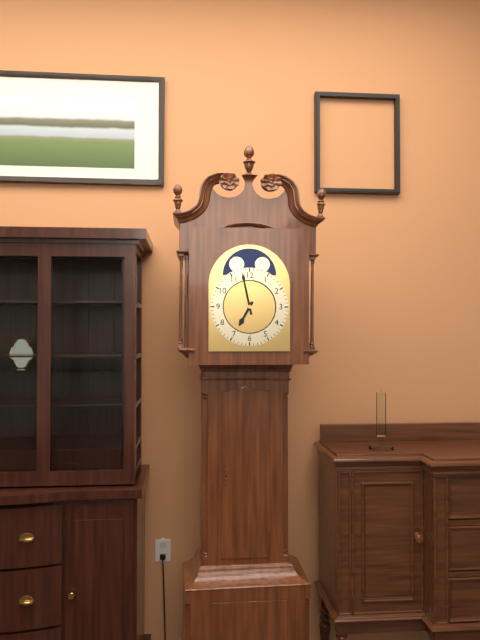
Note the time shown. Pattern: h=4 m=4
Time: h=6 m=58
